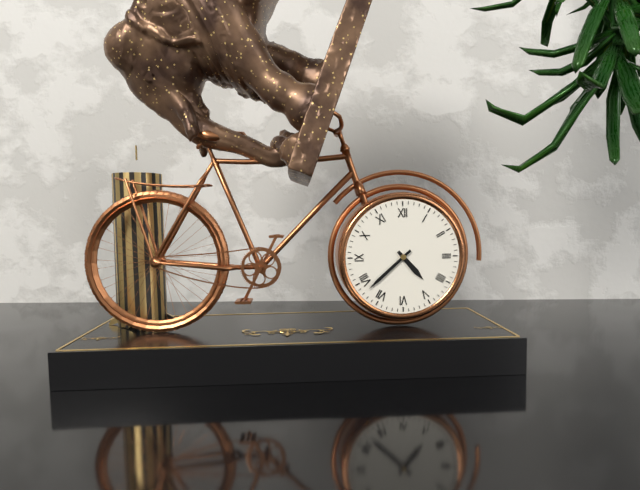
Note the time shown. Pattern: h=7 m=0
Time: h=4 m=38
